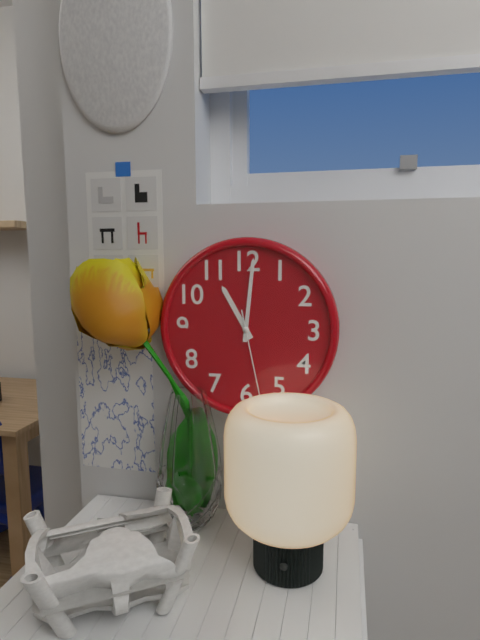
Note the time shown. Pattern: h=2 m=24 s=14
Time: h=11 m=1 s=28
